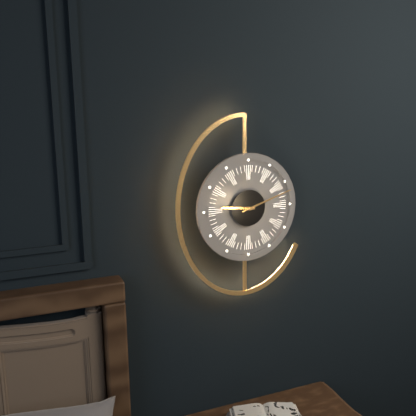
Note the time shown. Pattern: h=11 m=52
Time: h=9 m=12
